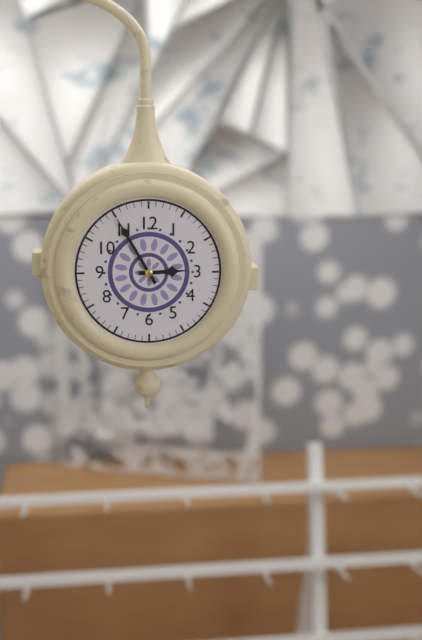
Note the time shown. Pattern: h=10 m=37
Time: h=2 m=55
